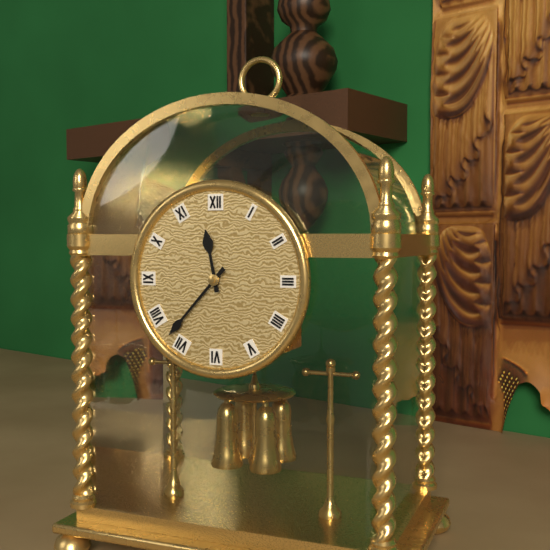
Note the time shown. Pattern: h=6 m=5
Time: h=11 m=37
